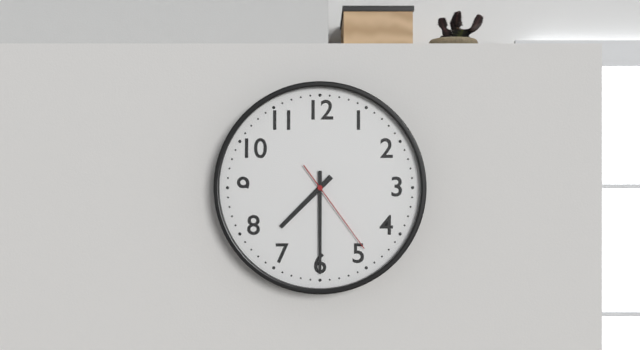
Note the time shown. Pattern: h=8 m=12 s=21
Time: h=7 m=30 s=24
